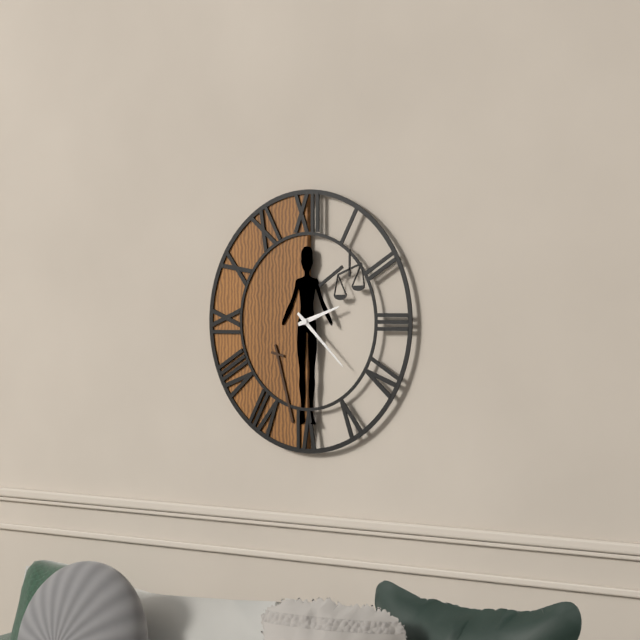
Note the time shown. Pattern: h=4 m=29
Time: h=2 m=22
